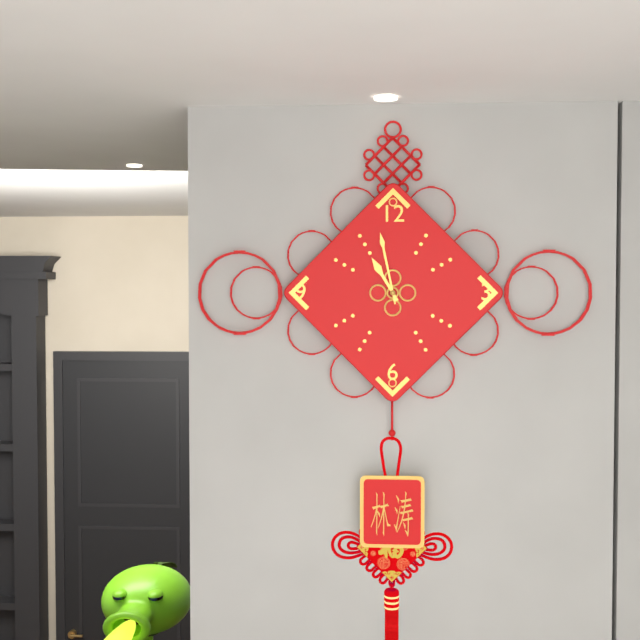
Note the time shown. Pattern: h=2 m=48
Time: h=10 m=58
